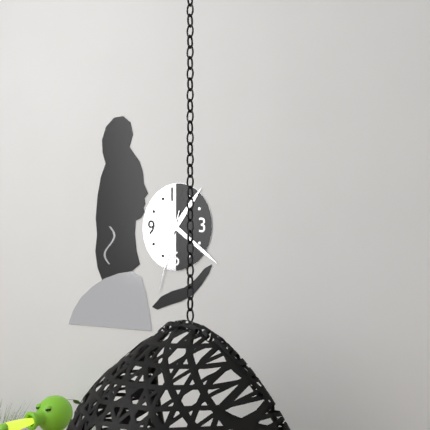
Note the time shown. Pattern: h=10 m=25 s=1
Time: h=1 m=21 s=33
